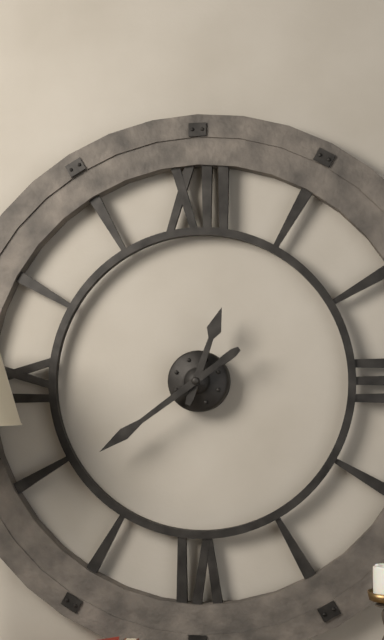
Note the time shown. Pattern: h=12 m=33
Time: h=12 m=39
